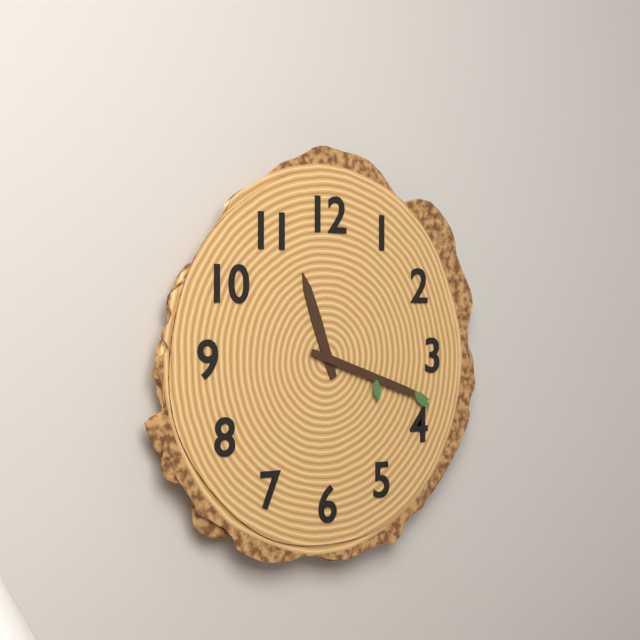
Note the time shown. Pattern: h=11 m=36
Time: h=11 m=18
